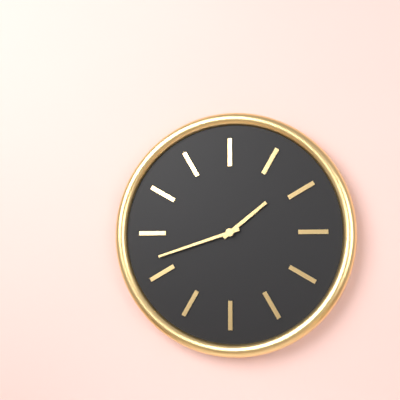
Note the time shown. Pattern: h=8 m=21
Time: h=1 m=42
